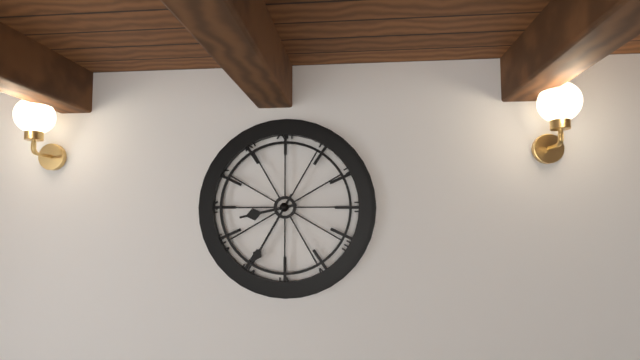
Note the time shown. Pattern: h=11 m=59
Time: h=8 m=35
